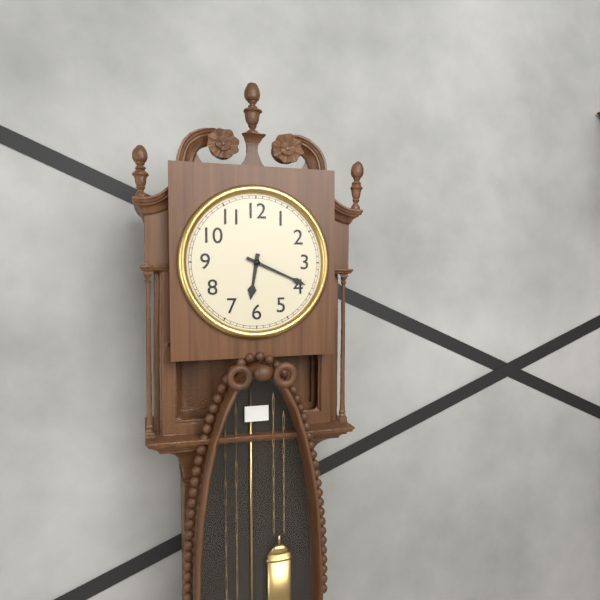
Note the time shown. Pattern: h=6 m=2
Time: h=6 m=19
